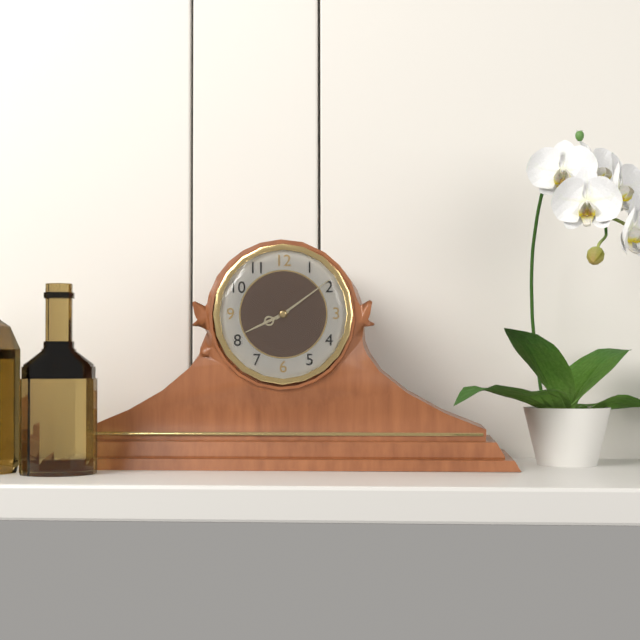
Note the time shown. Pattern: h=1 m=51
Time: h=8 m=9
